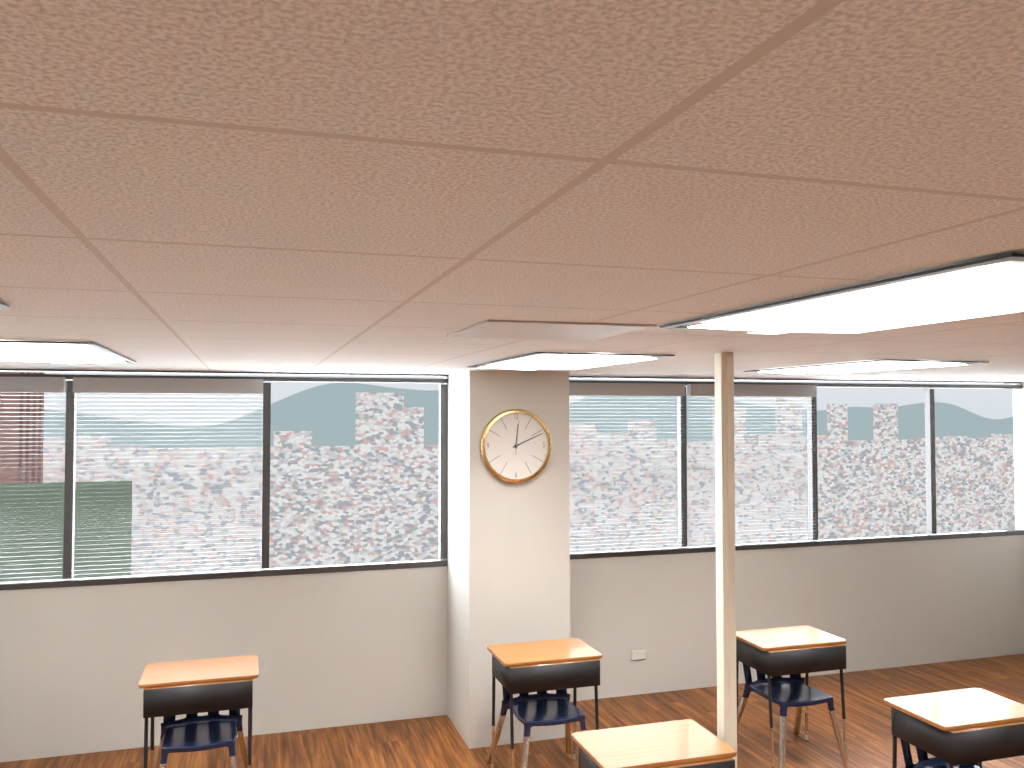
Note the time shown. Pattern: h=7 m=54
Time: h=12 m=11
